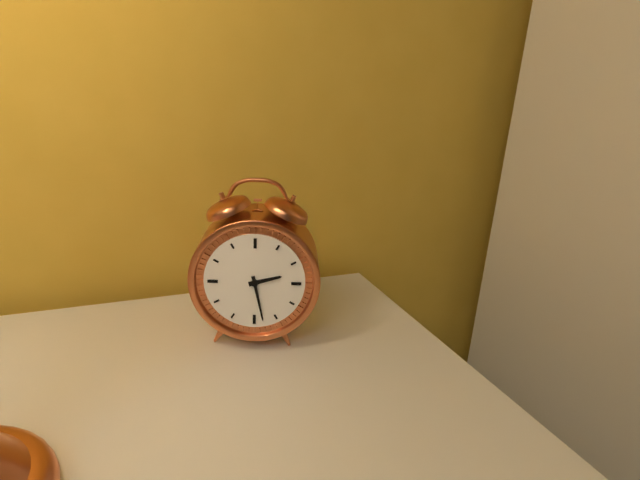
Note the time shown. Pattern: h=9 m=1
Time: h=2 m=28
